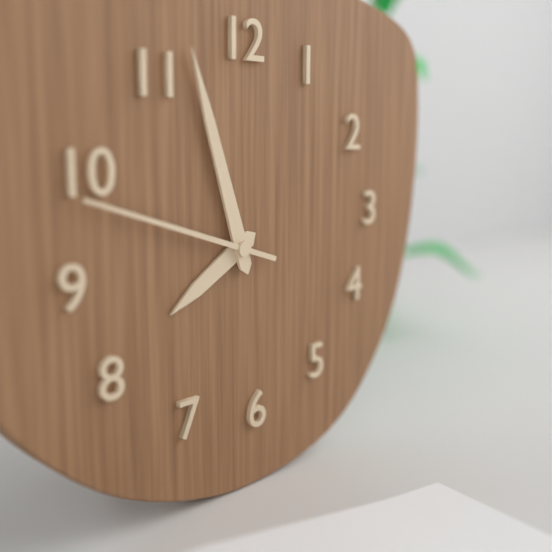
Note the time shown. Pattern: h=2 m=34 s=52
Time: h=7 m=57 s=48
